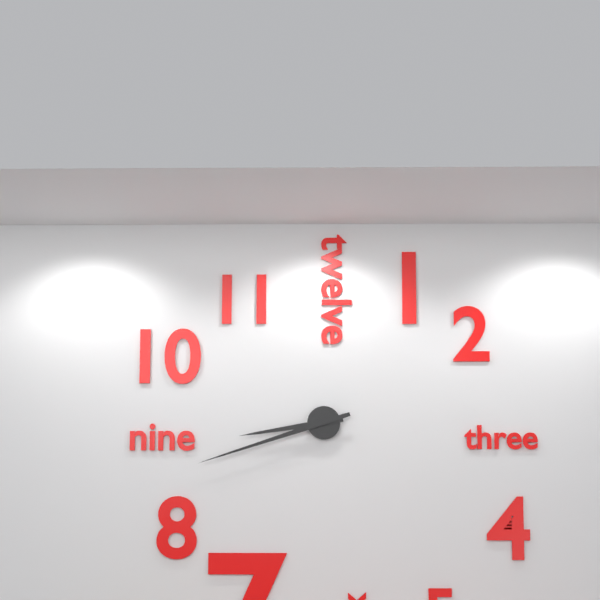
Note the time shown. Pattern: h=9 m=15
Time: h=8 m=42
